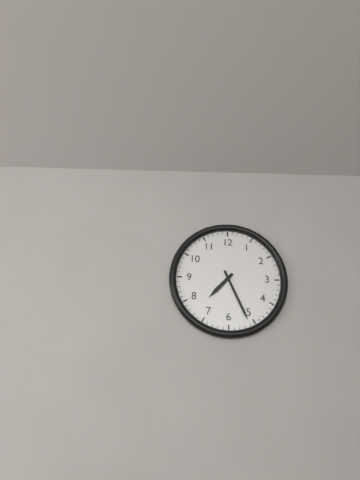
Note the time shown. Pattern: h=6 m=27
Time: h=7 m=26
